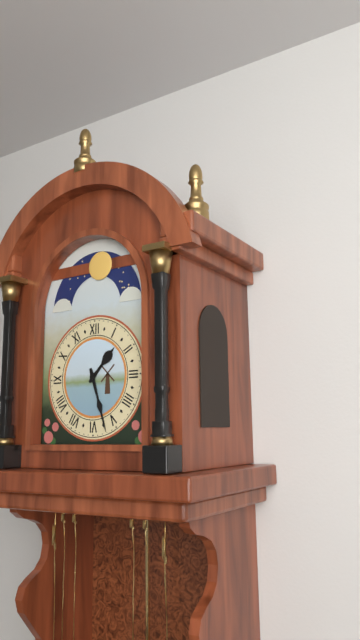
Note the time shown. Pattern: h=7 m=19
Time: h=1 m=27
